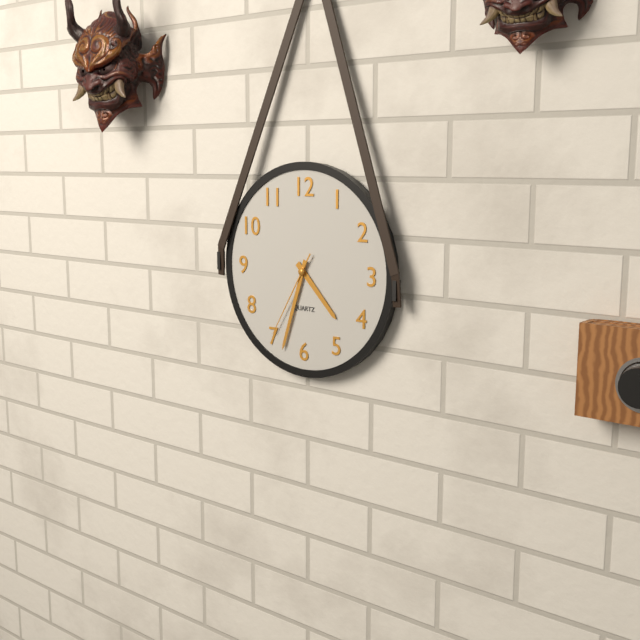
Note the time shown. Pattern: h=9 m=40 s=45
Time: h=4 m=33 s=35
